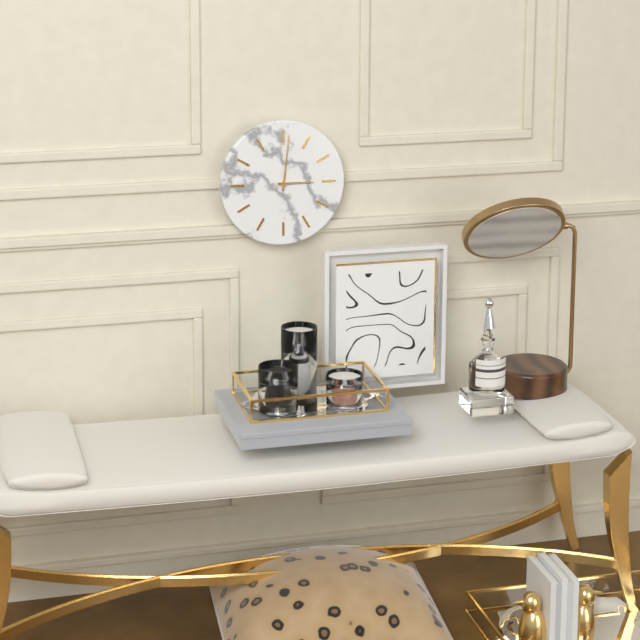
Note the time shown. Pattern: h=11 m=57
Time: h=3 m=1
